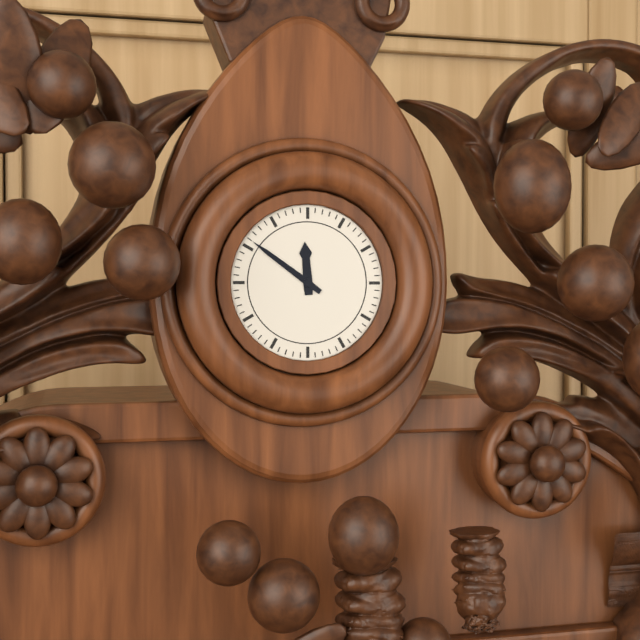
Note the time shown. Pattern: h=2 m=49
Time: h=11 m=51
